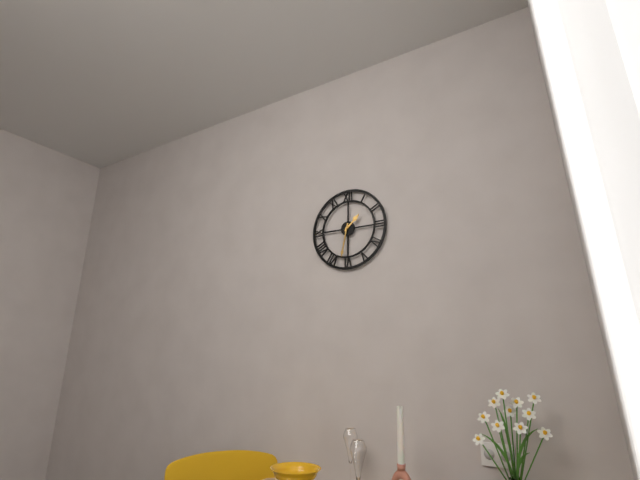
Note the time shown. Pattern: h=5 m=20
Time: h=1 m=32
